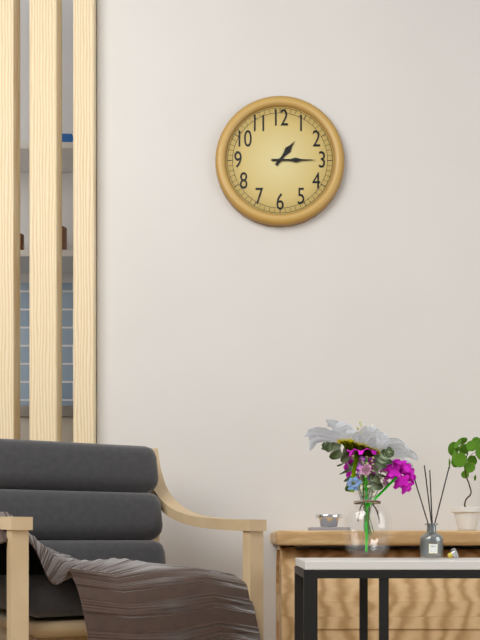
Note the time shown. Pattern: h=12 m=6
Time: h=1 m=15
